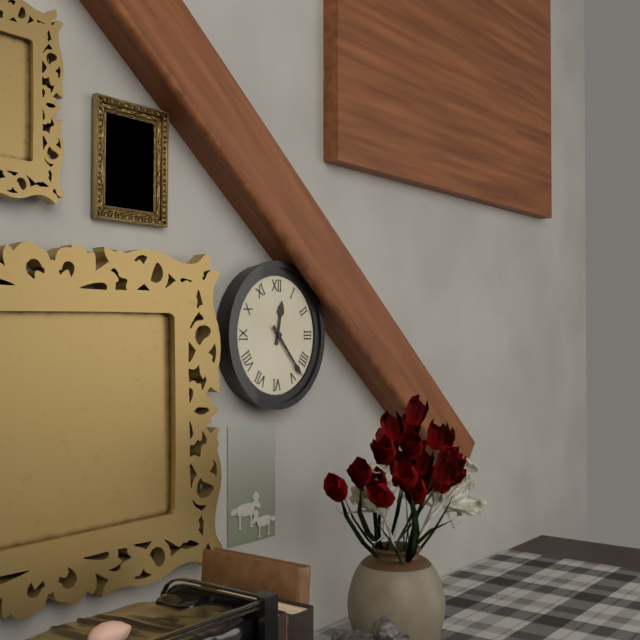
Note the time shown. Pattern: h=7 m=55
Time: h=12 m=23
